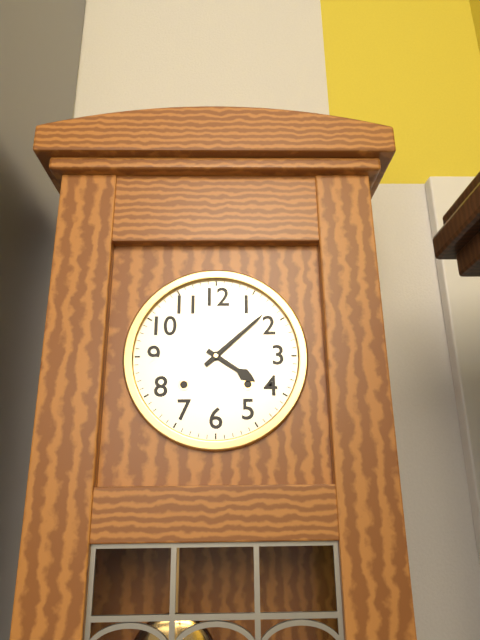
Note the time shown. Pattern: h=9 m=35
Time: h=4 m=8
